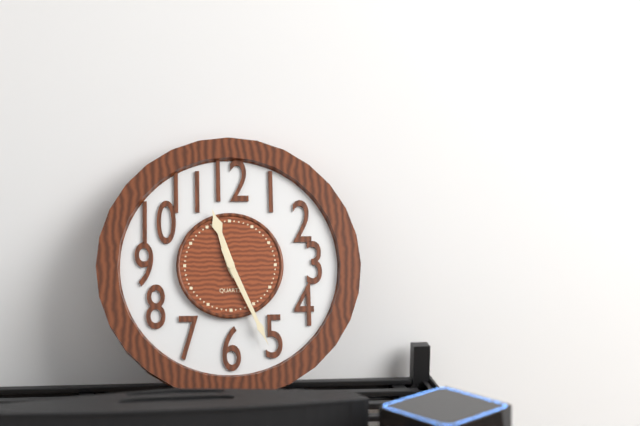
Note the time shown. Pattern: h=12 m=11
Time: h=11 m=26
